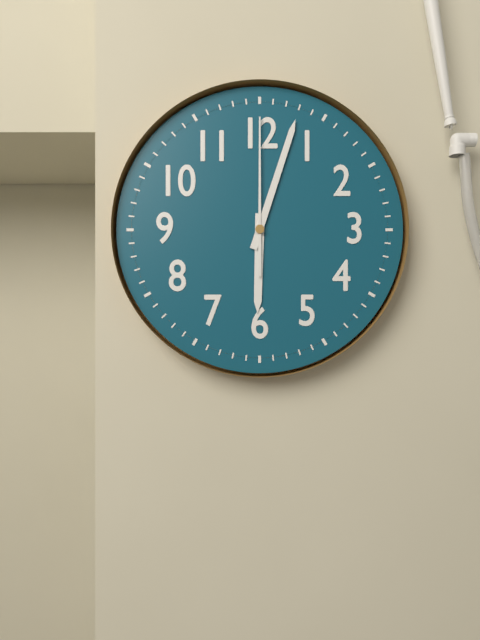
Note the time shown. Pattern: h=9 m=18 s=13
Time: h=6 m=3 s=0
